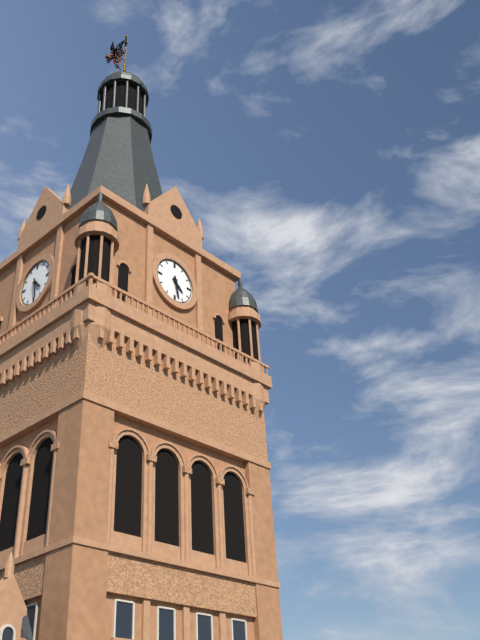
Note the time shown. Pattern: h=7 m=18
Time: h=4 m=28
